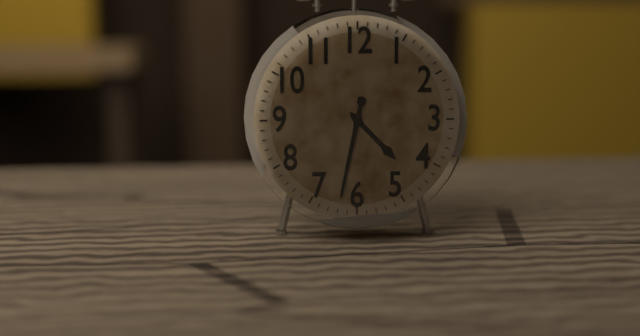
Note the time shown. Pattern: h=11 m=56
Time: h=4 m=32
